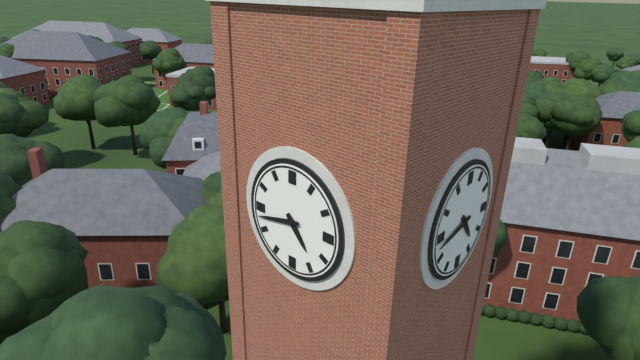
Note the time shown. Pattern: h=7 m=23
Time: h=4 m=43
